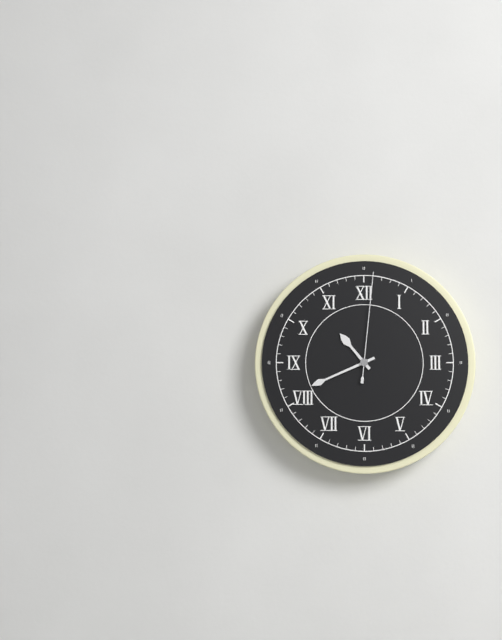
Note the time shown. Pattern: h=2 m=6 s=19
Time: h=10 m=41 s=1
